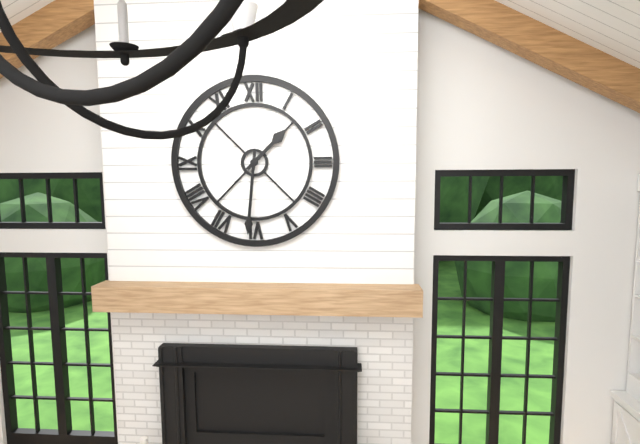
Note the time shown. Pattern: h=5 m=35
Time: h=1 m=31
